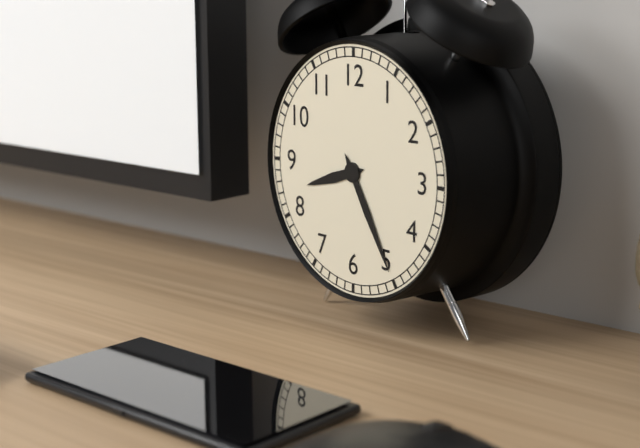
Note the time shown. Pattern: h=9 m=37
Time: h=8 m=25
